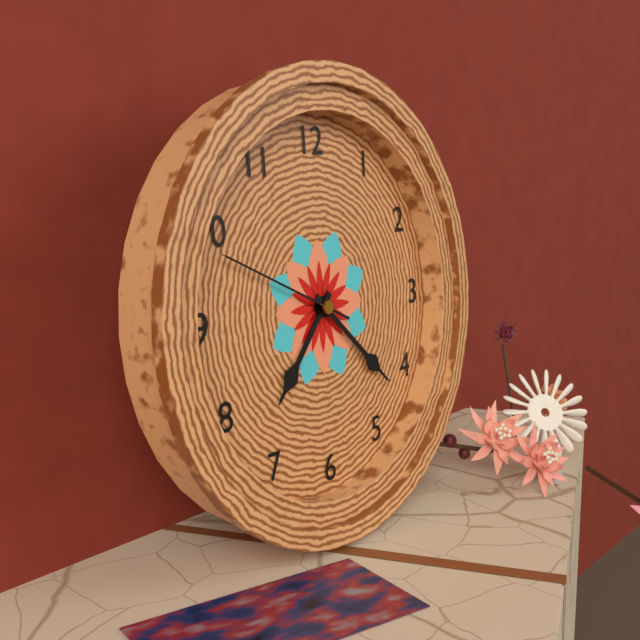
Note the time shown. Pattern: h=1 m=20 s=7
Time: h=7 m=22 s=49
